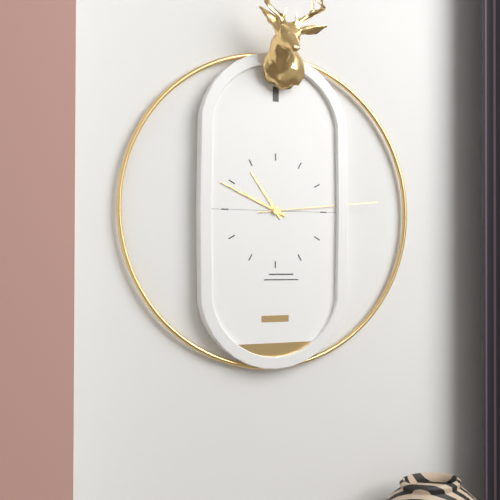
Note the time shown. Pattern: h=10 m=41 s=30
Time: h=10 m=49 s=14
